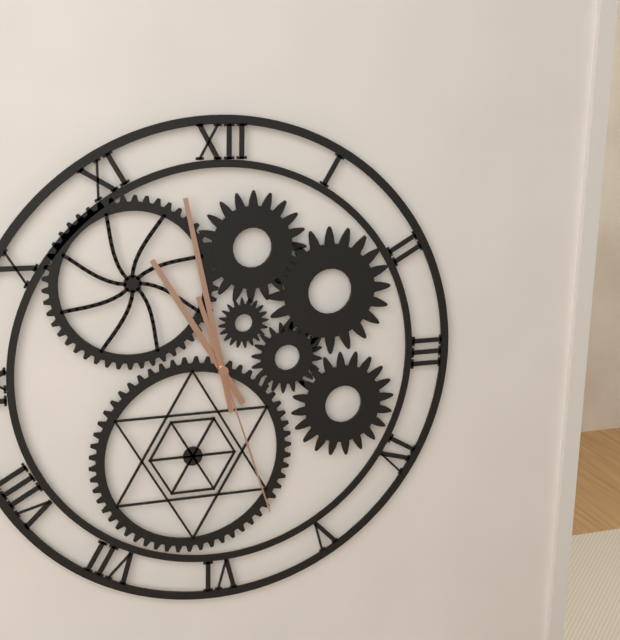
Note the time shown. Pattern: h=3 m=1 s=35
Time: h=10 m=58 s=27
